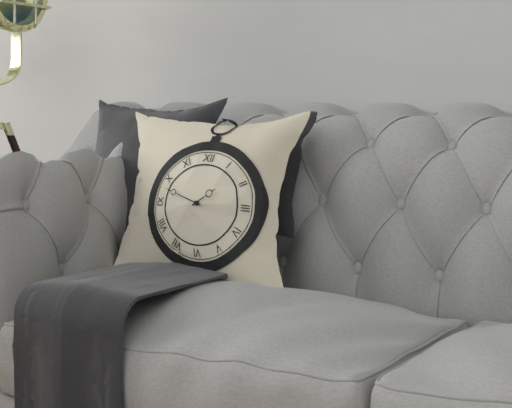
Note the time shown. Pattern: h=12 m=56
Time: h=1 m=48
